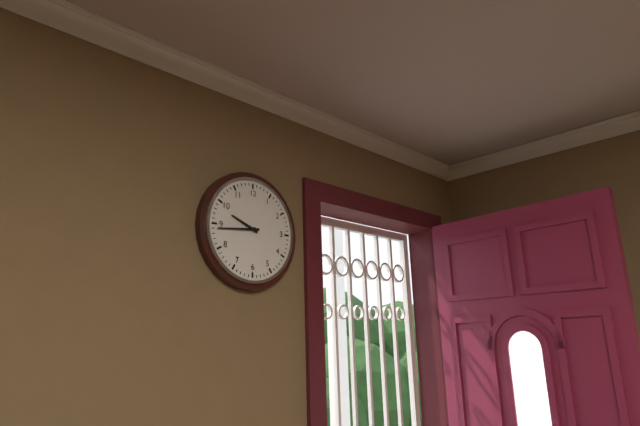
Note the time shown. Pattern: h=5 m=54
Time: h=9 m=44
